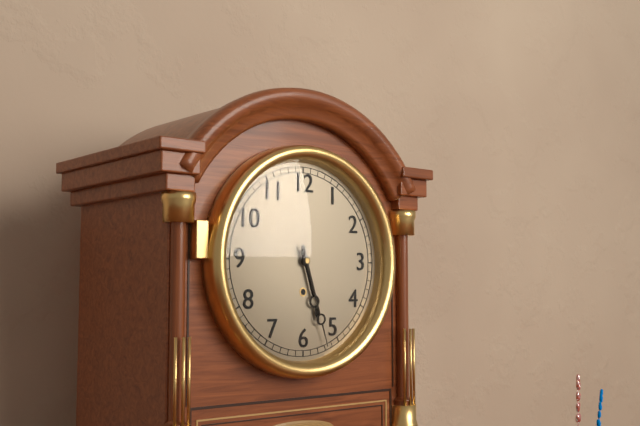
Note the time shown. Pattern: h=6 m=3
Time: h=5 m=27
